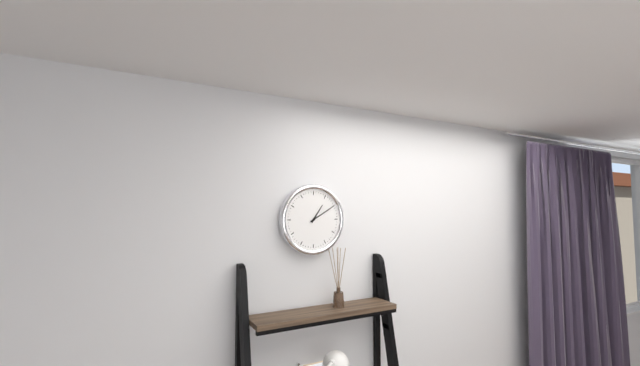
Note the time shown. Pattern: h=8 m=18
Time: h=1 m=10
